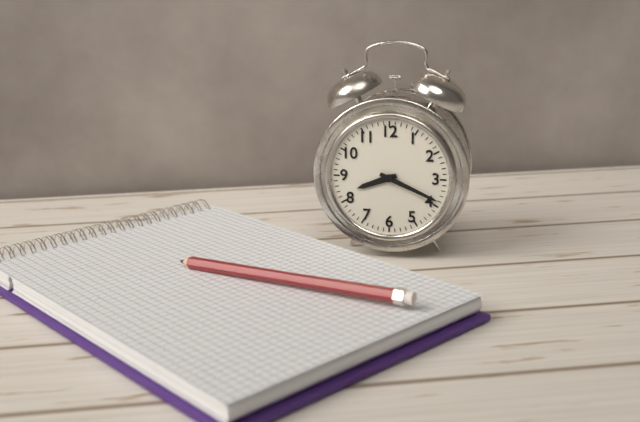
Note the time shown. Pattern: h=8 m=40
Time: h=8 m=19
